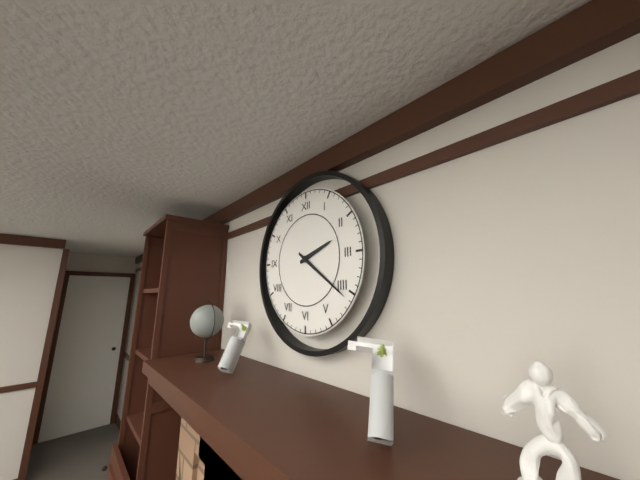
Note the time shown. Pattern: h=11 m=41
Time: h=2 m=21
